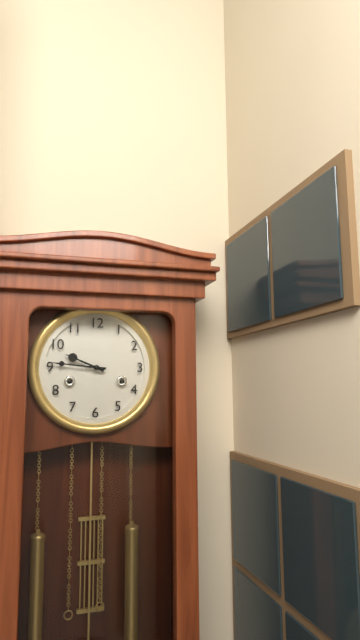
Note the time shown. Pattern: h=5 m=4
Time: h=9 m=46
